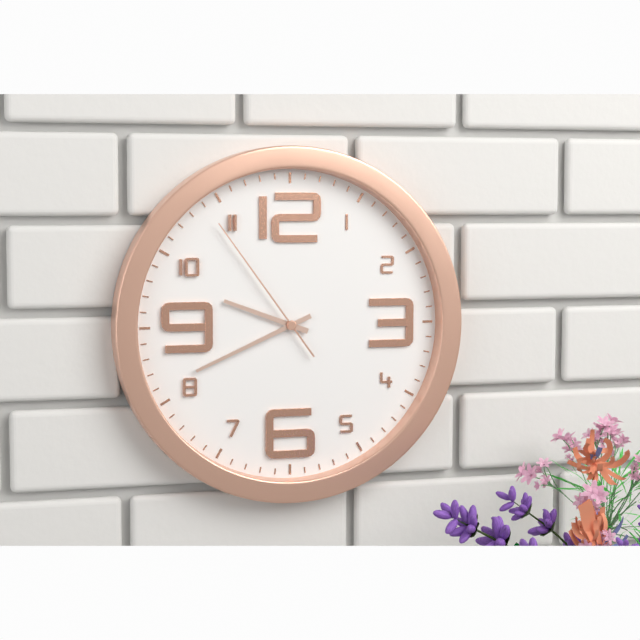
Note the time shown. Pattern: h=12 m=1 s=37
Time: h=9 m=41 s=54
